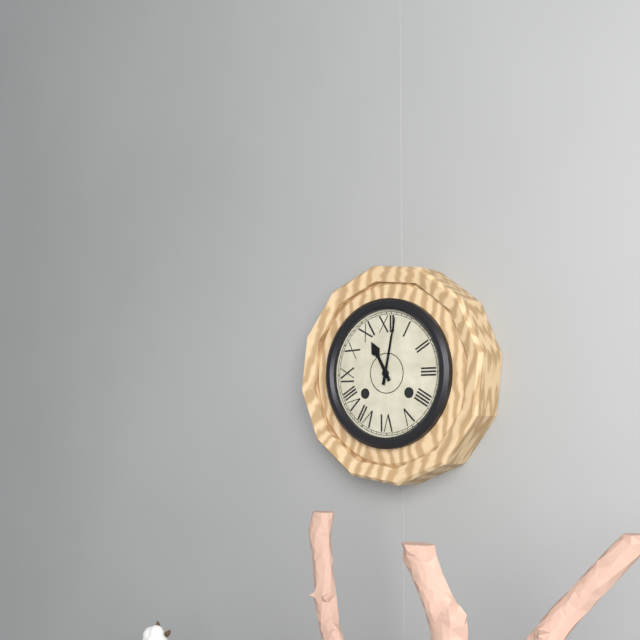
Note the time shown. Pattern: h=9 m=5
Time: h=11 m=2
